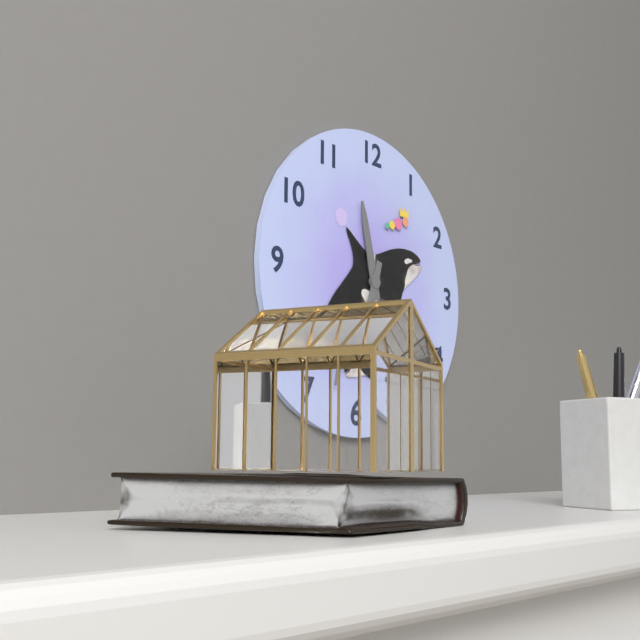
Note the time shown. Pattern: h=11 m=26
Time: h=11 m=33
